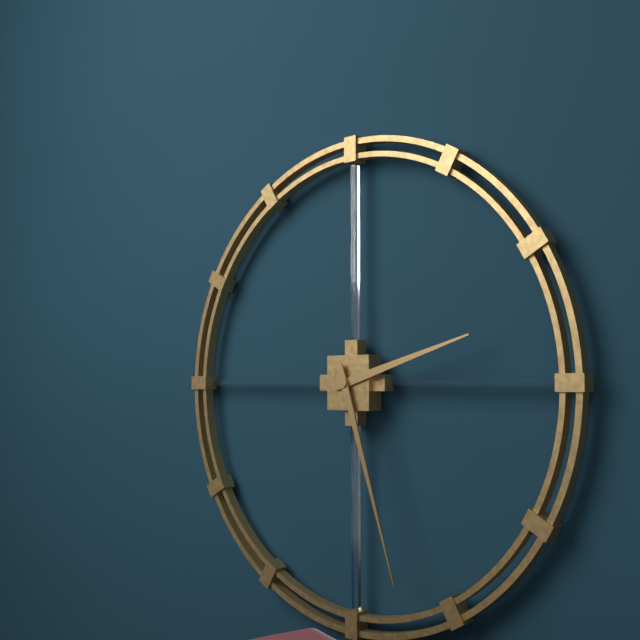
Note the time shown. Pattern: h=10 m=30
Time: h=2 m=27
